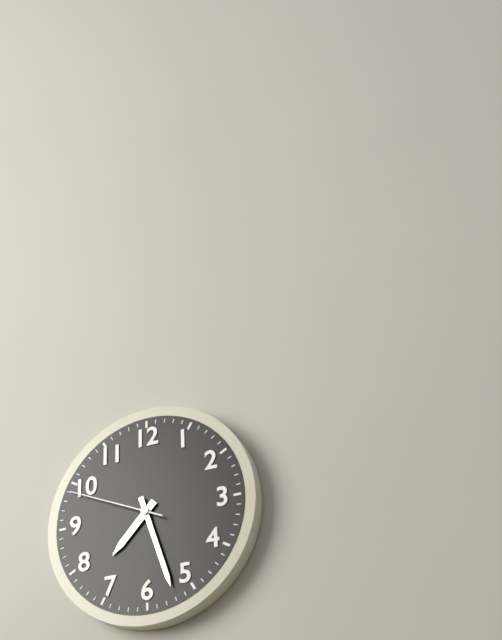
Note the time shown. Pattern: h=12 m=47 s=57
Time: h=7 m=27 s=49
